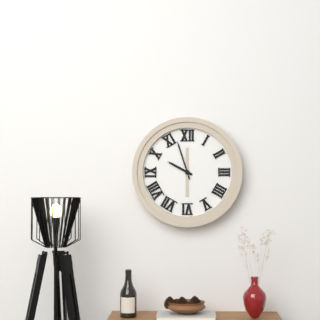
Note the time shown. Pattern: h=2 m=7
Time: h=9 m=57
